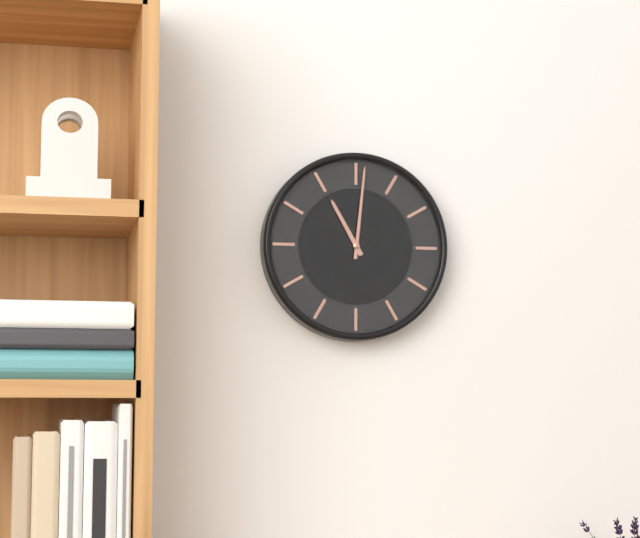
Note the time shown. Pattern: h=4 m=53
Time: h=11 m=1
